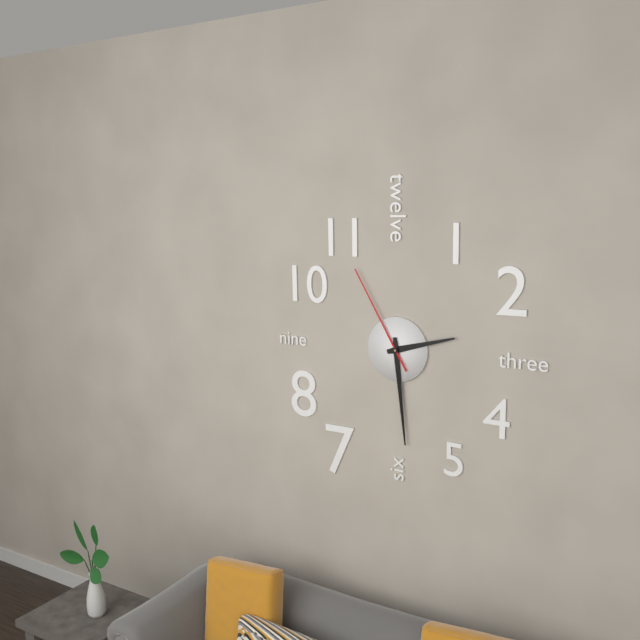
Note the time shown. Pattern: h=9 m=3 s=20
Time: h=2 m=29 s=55
